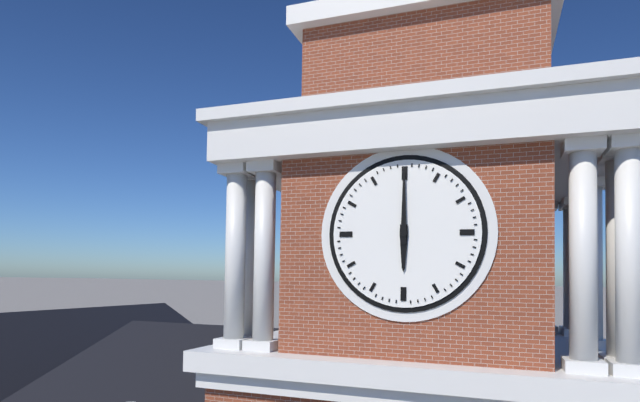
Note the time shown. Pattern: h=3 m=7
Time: h=6 m=0
